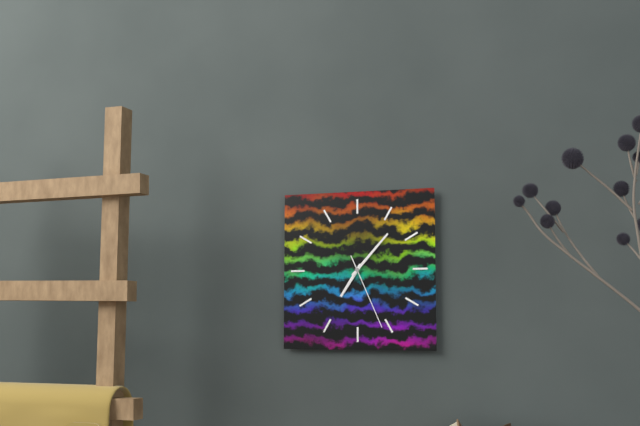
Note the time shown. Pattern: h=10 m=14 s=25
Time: h=7 m=7 s=26
